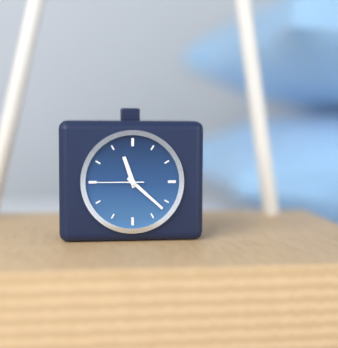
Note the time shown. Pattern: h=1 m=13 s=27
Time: h=11 m=22 s=45
